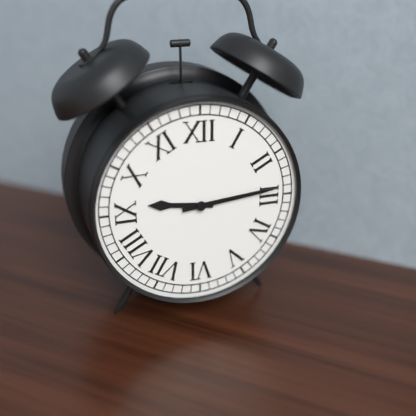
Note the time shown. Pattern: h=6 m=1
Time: h=9 m=14
